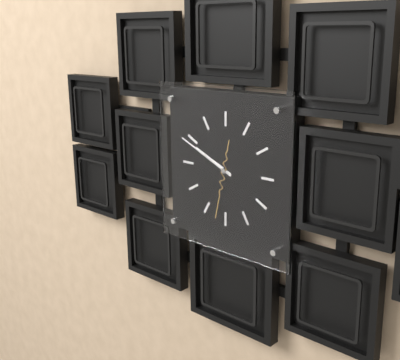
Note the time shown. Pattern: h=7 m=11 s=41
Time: h=9 m=49 s=32
